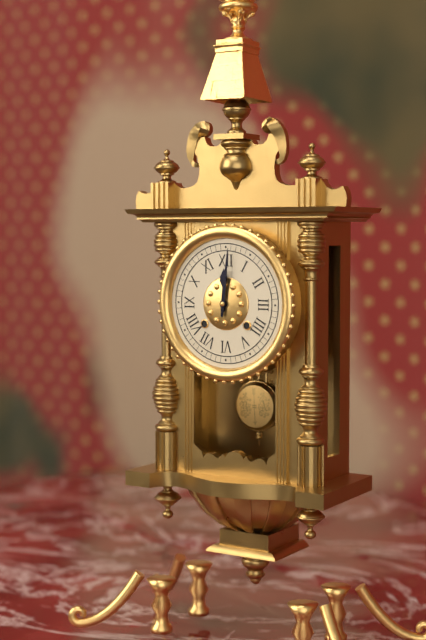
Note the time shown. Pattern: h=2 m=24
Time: h=12 m=1
